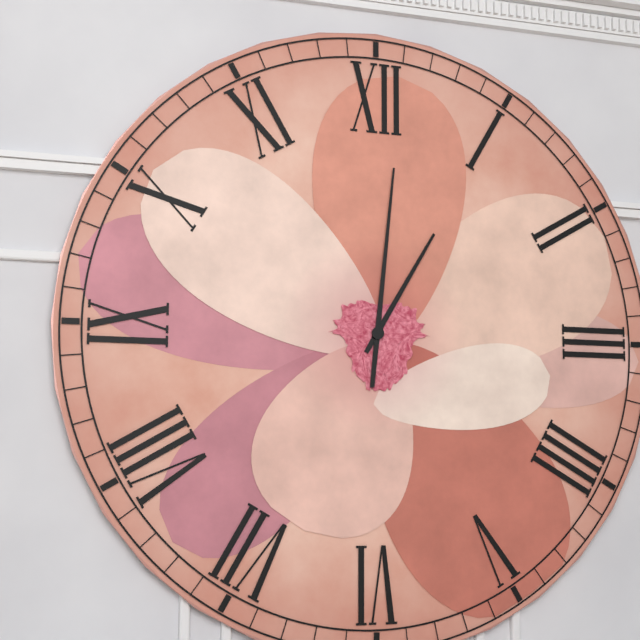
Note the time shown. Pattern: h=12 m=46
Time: h=1 m=1
